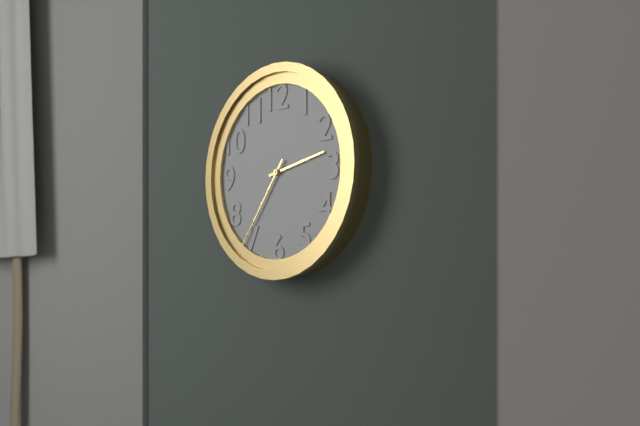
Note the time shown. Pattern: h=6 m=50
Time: h=2 m=36
